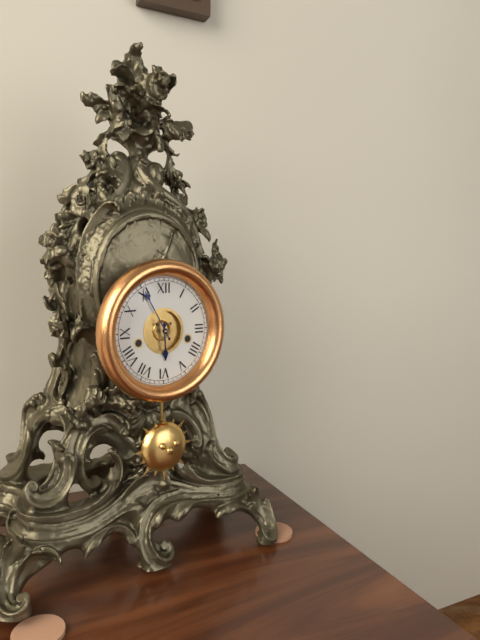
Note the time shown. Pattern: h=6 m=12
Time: h=5 m=55
